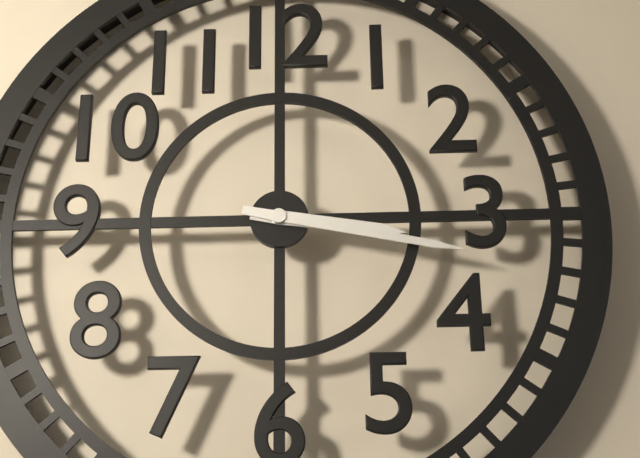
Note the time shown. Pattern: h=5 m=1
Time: h=3 m=17
